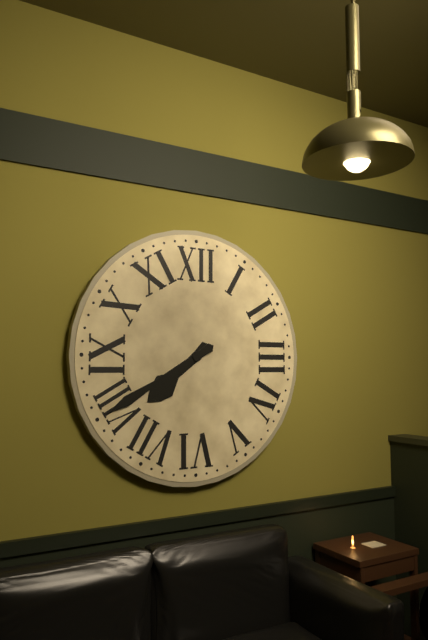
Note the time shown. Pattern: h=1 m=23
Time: h=7 m=40
